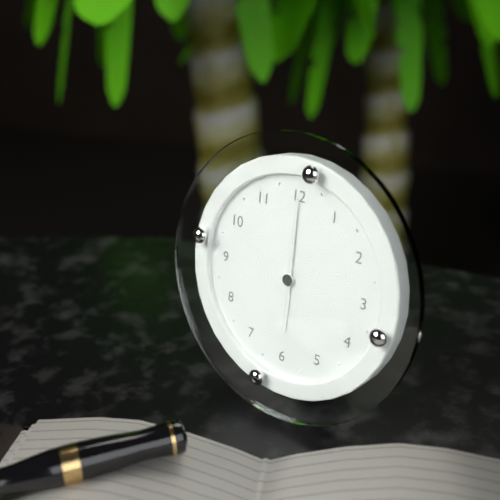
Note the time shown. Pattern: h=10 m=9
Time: h=6 m=0
